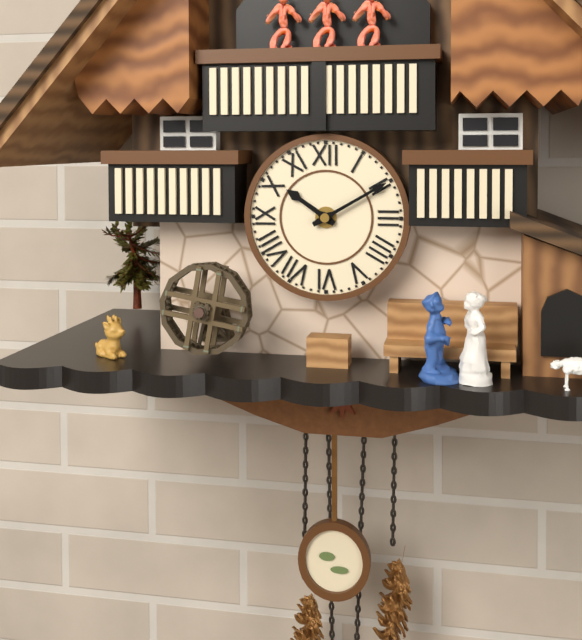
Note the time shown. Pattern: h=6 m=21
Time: h=10 m=10
